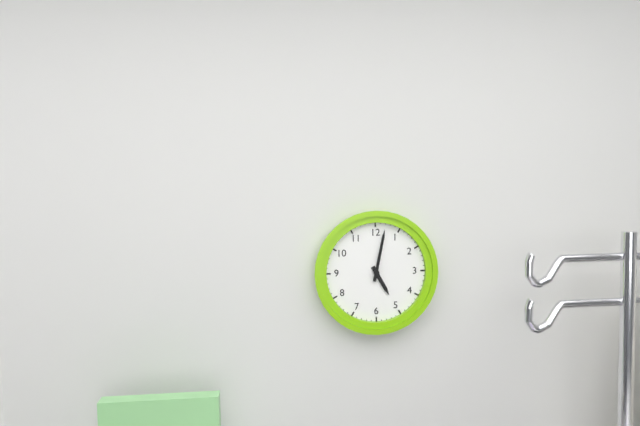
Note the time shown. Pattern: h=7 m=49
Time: h=5 m=2
